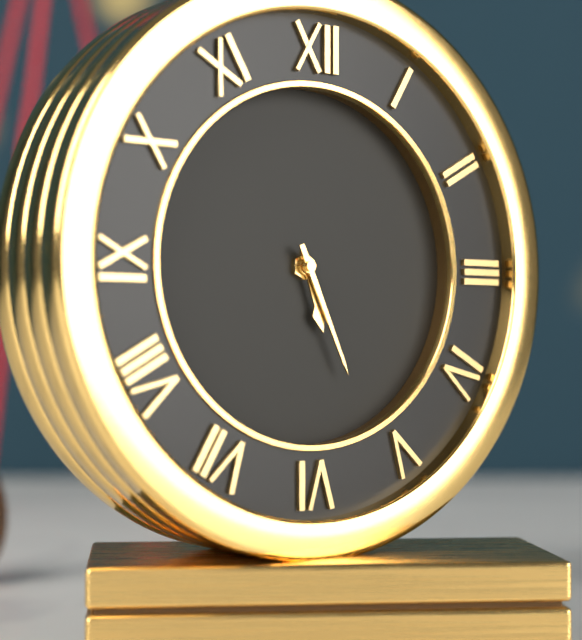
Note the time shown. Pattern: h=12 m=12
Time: h=5 m=26
